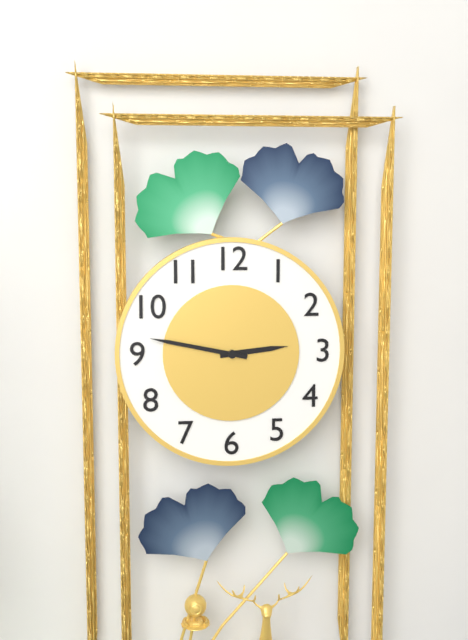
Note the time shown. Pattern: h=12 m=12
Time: h=2 m=47
